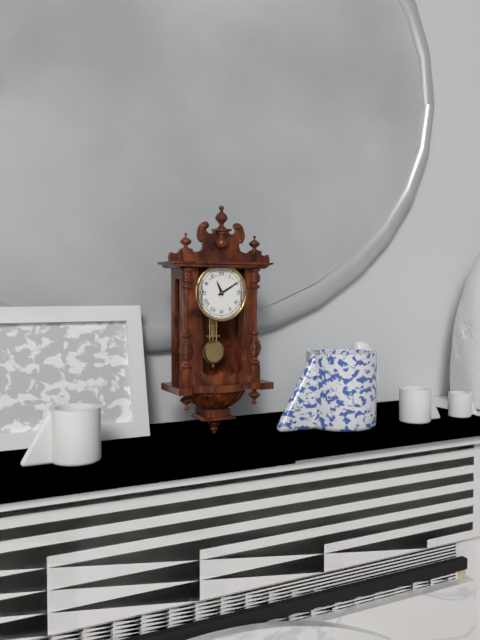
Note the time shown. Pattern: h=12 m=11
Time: h=11 m=10
